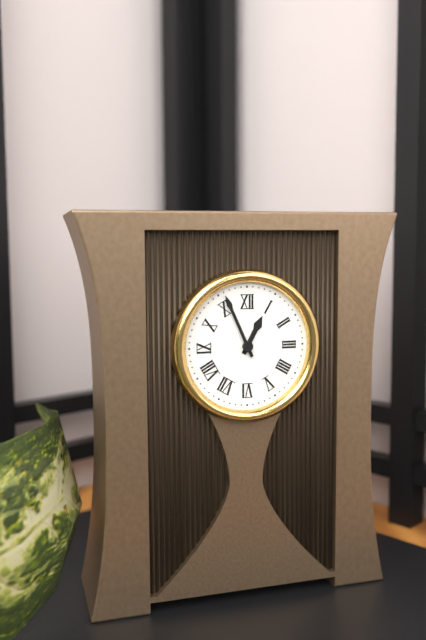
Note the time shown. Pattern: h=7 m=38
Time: h=12 m=56
